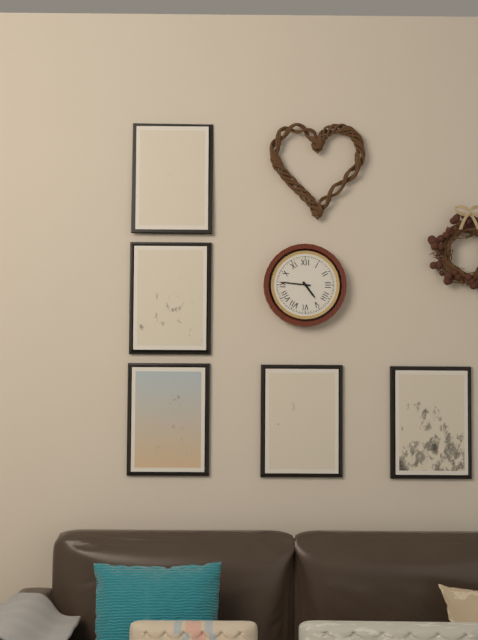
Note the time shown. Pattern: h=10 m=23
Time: h=4 m=46
